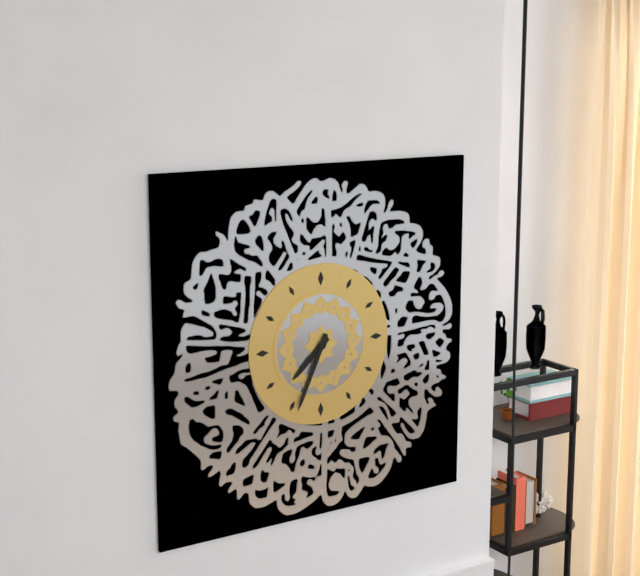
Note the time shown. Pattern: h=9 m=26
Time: h=7 m=34
